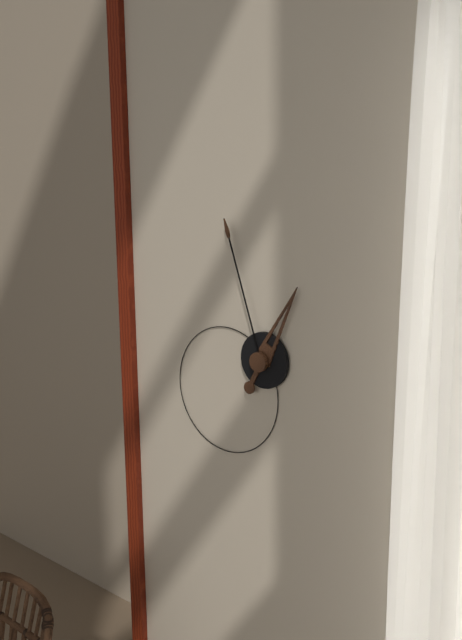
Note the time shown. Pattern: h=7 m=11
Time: h=12 m=57
